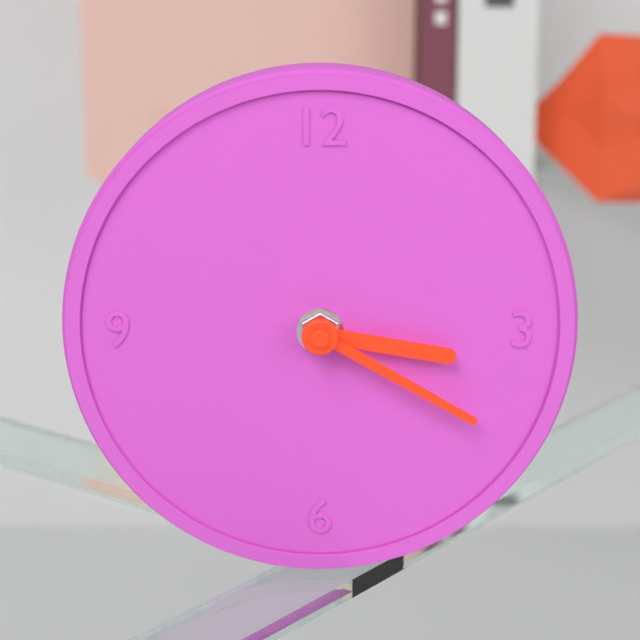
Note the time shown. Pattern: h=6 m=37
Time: h=3 m=20
